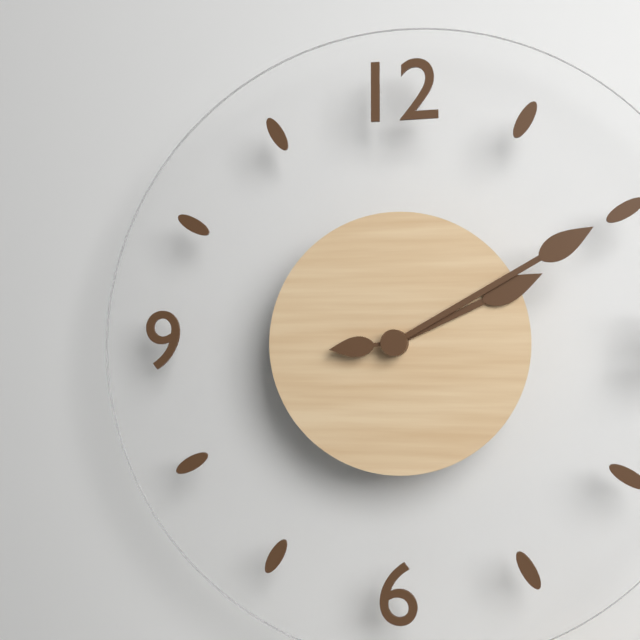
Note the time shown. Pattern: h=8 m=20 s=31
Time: h=2 m=10 s=44
